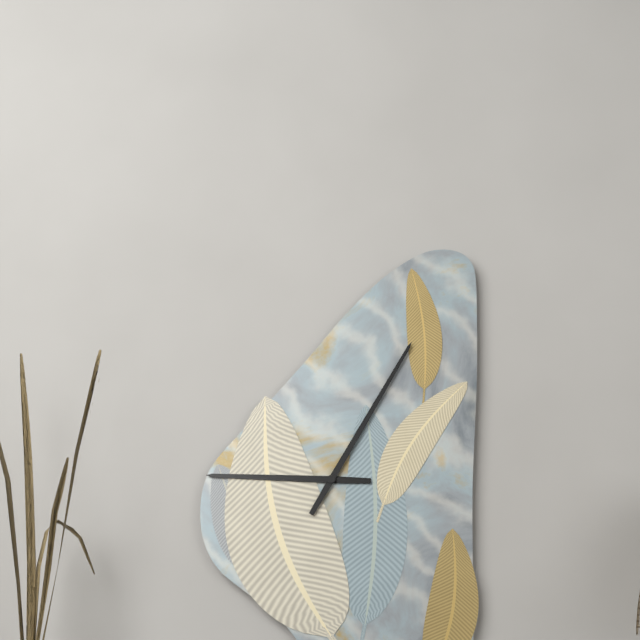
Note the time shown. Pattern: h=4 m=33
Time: h=9 m=5
